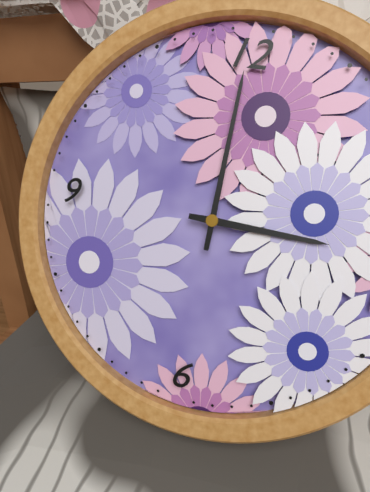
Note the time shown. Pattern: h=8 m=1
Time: h=3 m=0
